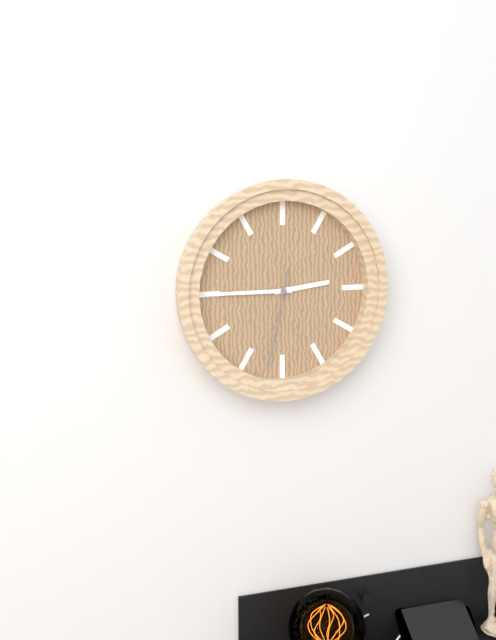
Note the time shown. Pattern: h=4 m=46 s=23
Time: h=2 m=45 s=32
